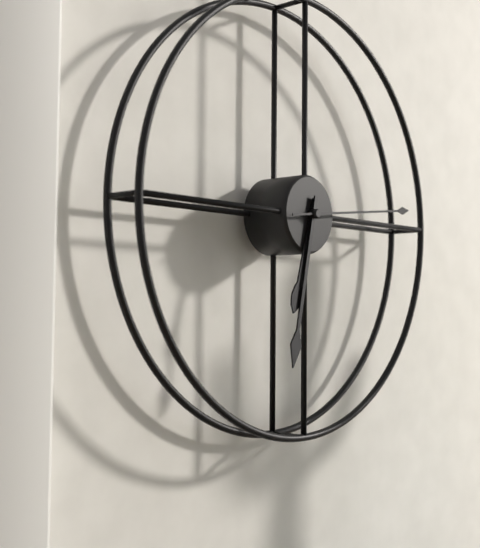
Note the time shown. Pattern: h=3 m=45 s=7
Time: h=6 m=32 s=14
